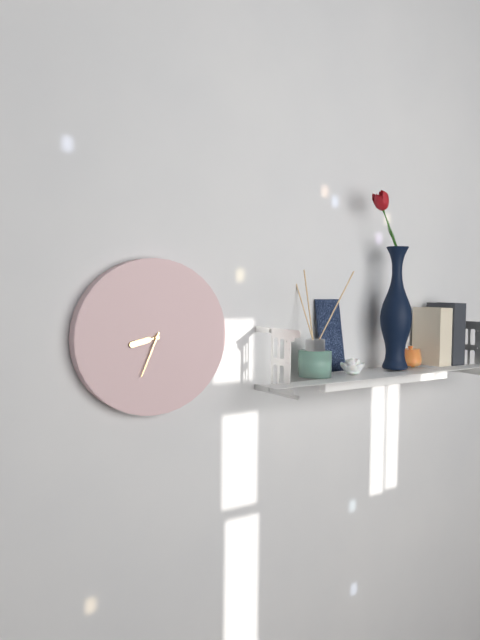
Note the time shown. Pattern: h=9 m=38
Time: h=8 m=34
